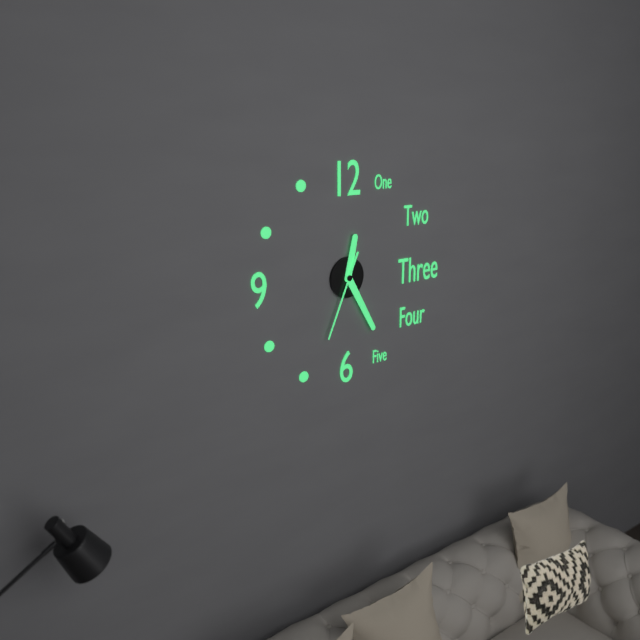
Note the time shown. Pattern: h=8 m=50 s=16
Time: h=12 m=25 s=34
